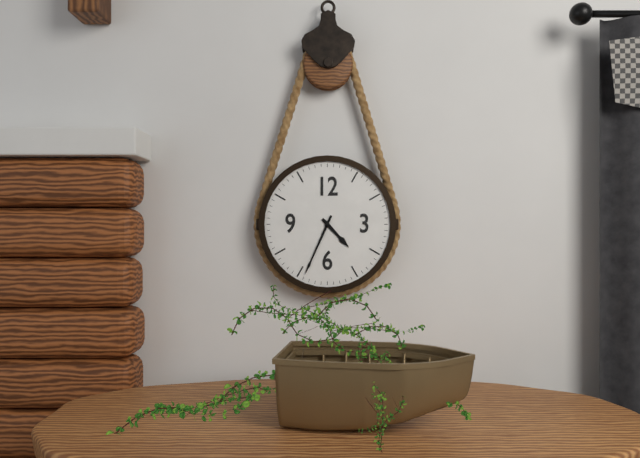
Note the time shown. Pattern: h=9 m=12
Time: h=4 m=34
